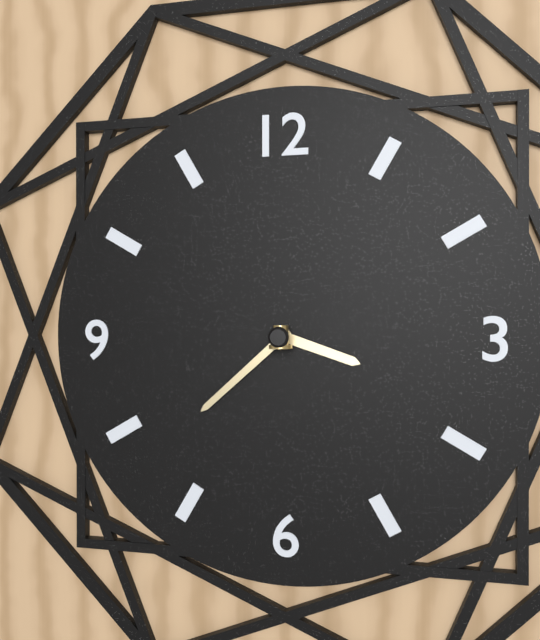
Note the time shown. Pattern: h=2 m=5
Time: h=3 m=38
